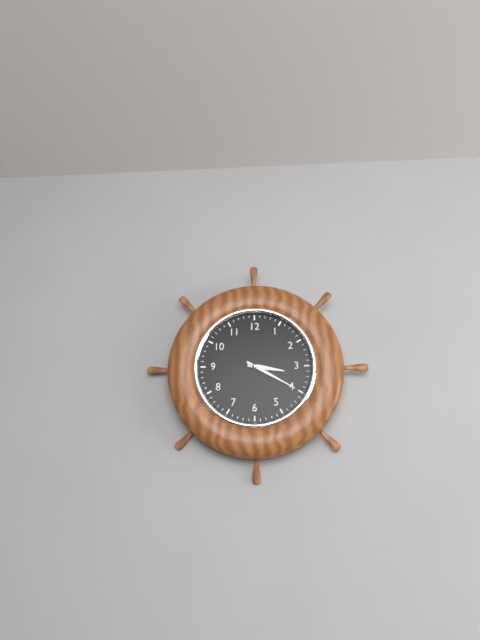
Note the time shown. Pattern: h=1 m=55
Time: h=3 m=20
